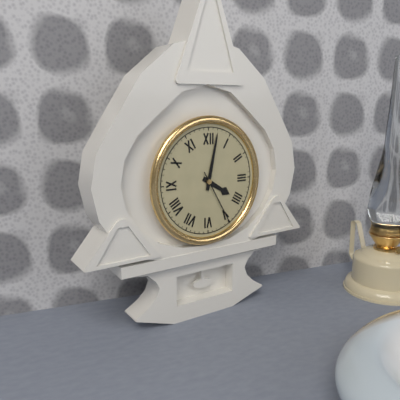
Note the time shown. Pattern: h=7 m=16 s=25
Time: h=4 m=2 s=25
